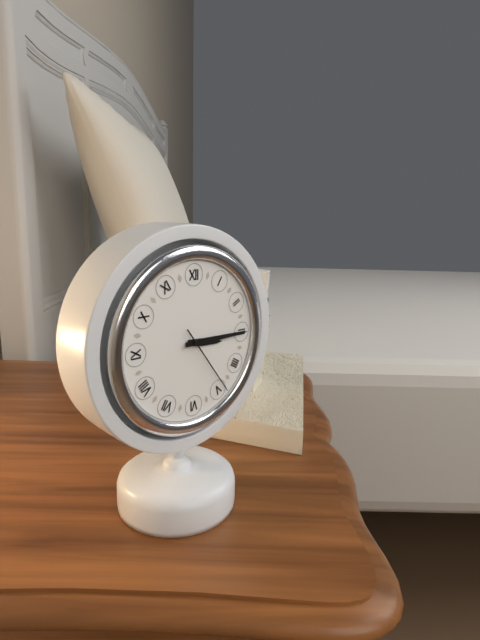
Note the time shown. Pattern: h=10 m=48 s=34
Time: h=3 m=15 s=24
